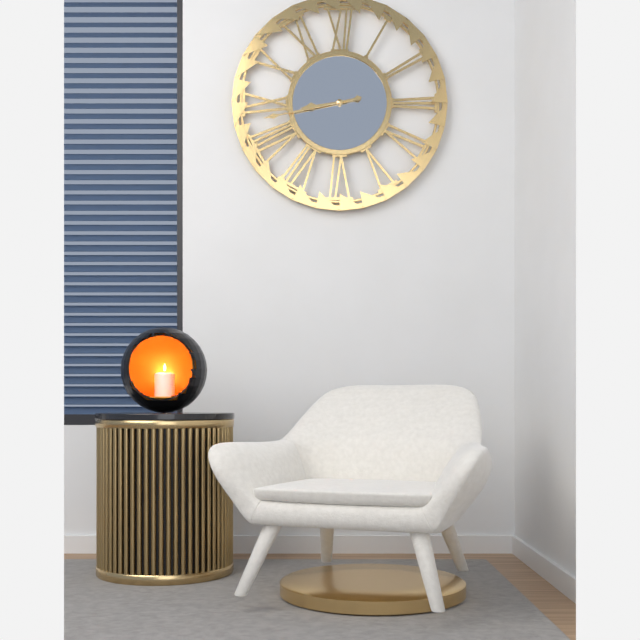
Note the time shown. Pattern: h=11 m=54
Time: h=8 m=43
